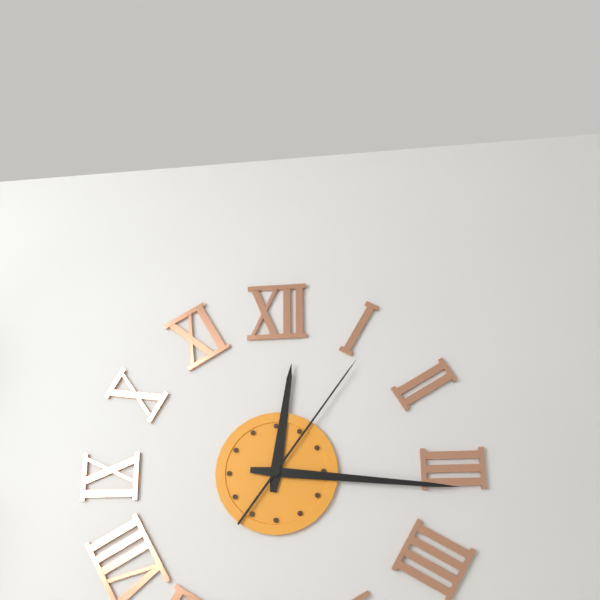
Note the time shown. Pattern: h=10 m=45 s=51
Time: h=12 m=16 s=6
